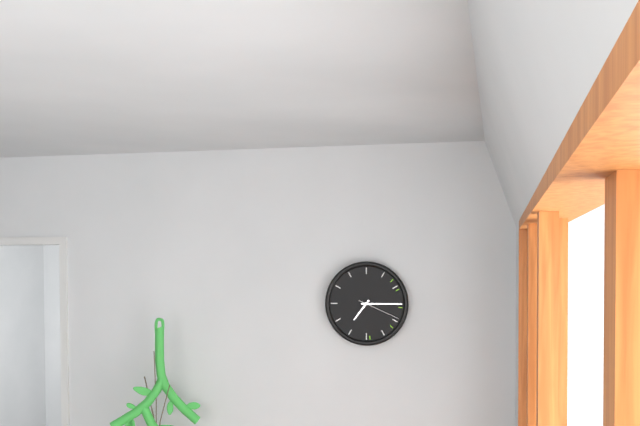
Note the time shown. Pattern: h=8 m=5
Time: h=7 m=15
